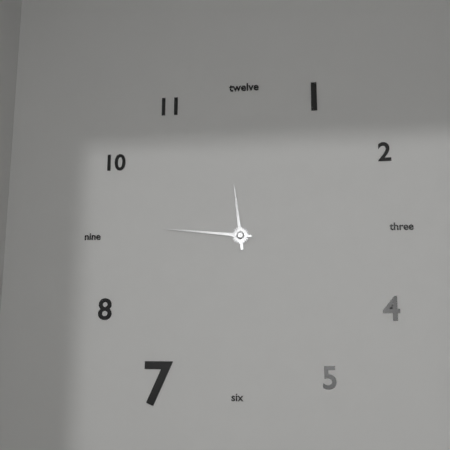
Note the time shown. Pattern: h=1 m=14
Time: h=11 m=46
